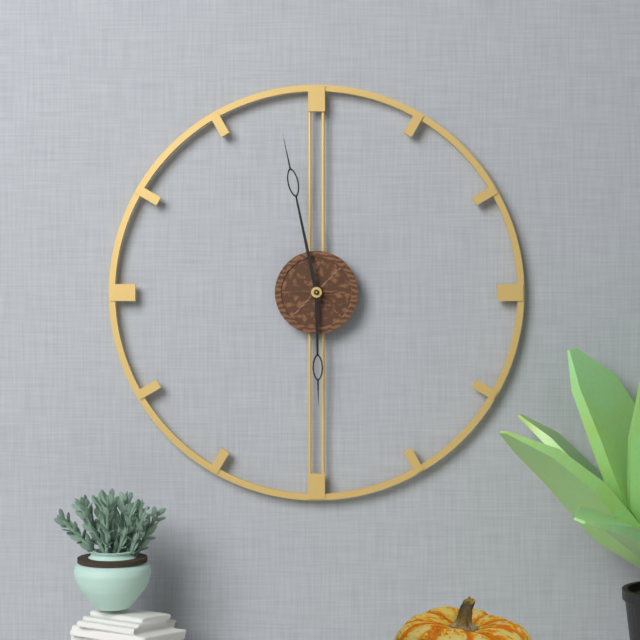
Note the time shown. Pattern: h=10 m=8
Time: h=5 m=58
